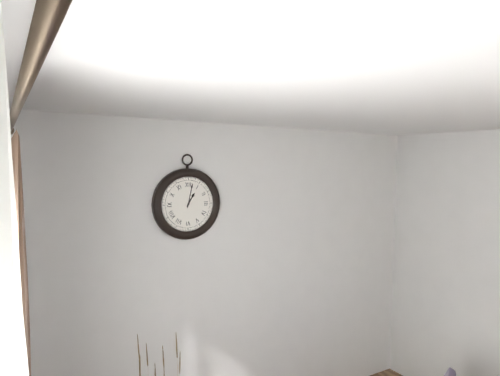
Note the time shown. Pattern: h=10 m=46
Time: h=1 m=2
